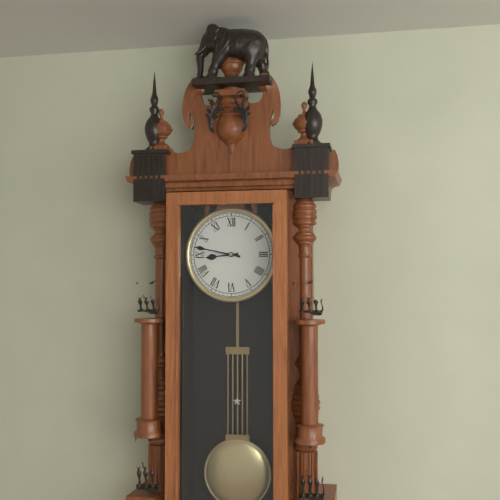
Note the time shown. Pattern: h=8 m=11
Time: h=8 m=47
